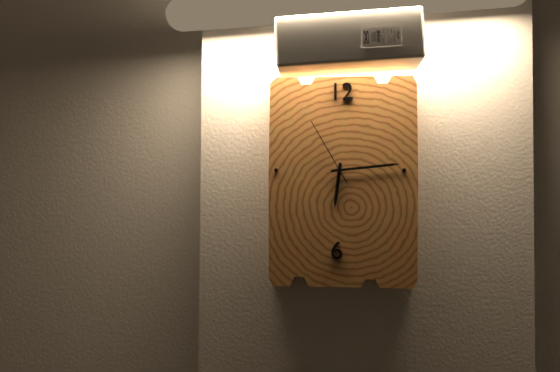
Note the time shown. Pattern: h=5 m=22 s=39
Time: h=6 m=14 s=55
